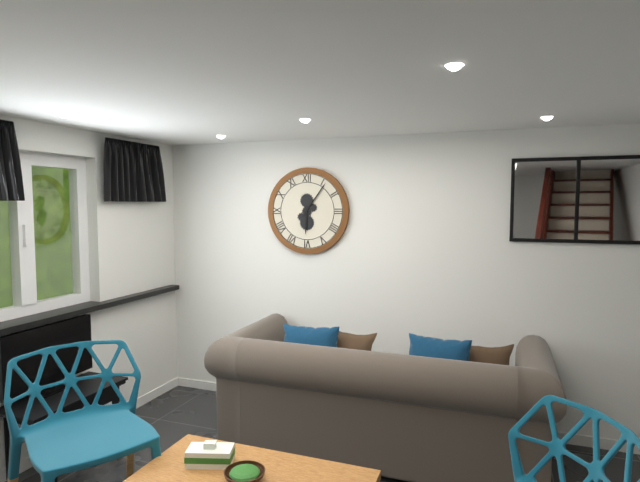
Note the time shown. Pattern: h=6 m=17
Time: h=6 m=6
